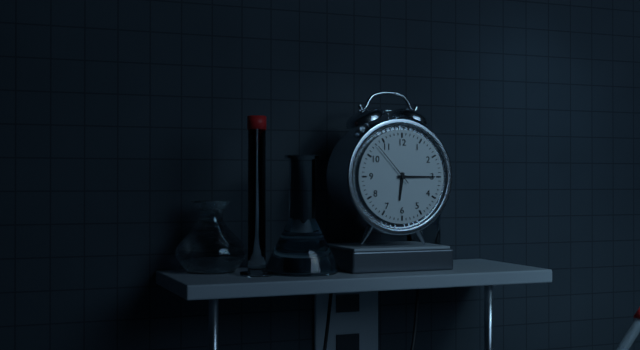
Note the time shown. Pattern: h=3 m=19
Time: h=6 m=15
